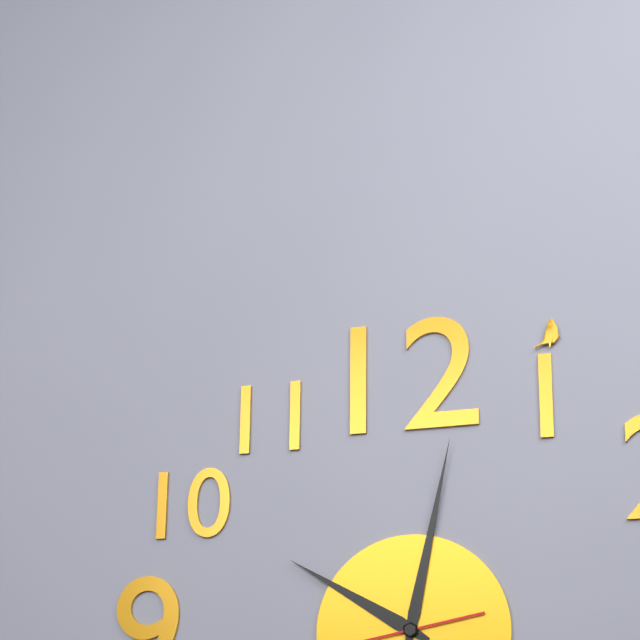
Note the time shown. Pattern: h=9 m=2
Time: h=10 m=2
